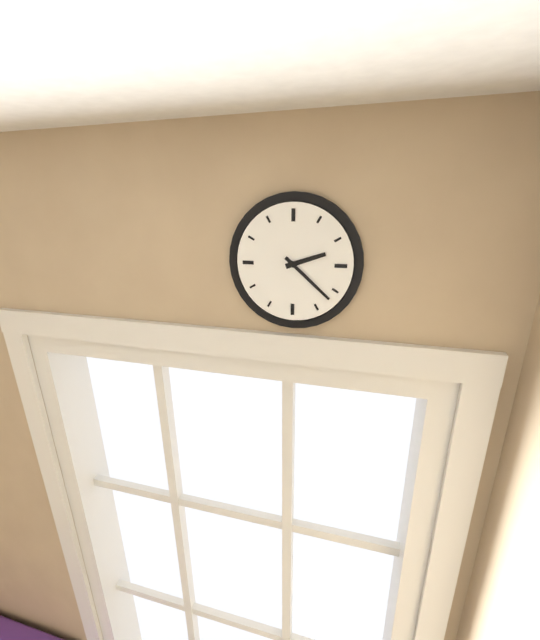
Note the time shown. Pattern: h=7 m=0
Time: h=2 m=22
